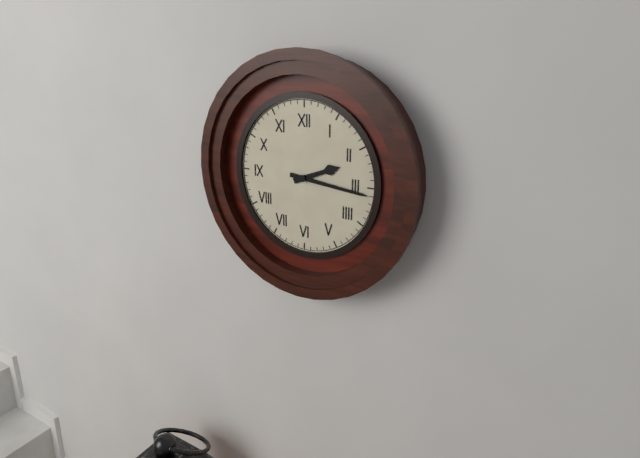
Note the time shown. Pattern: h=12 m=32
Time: h=2 m=16
